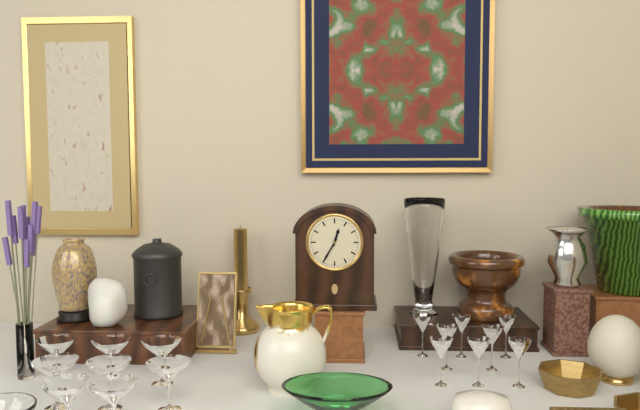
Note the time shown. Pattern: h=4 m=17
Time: h=12 m=35
